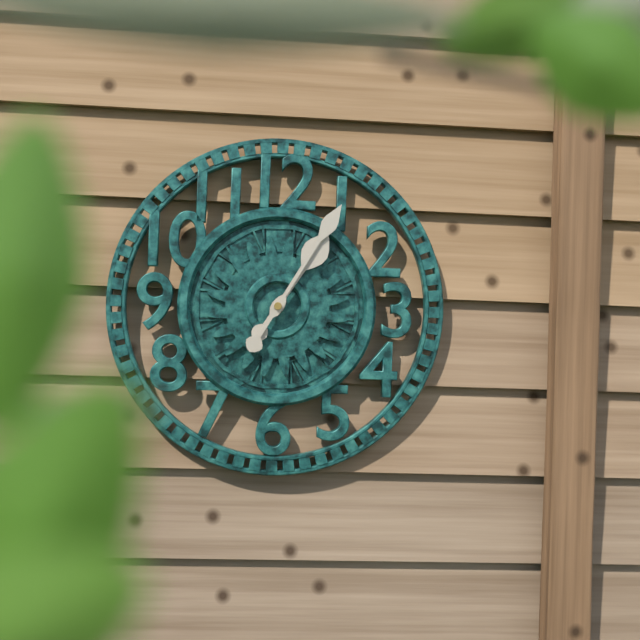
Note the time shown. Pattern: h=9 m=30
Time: h=1 m=5
